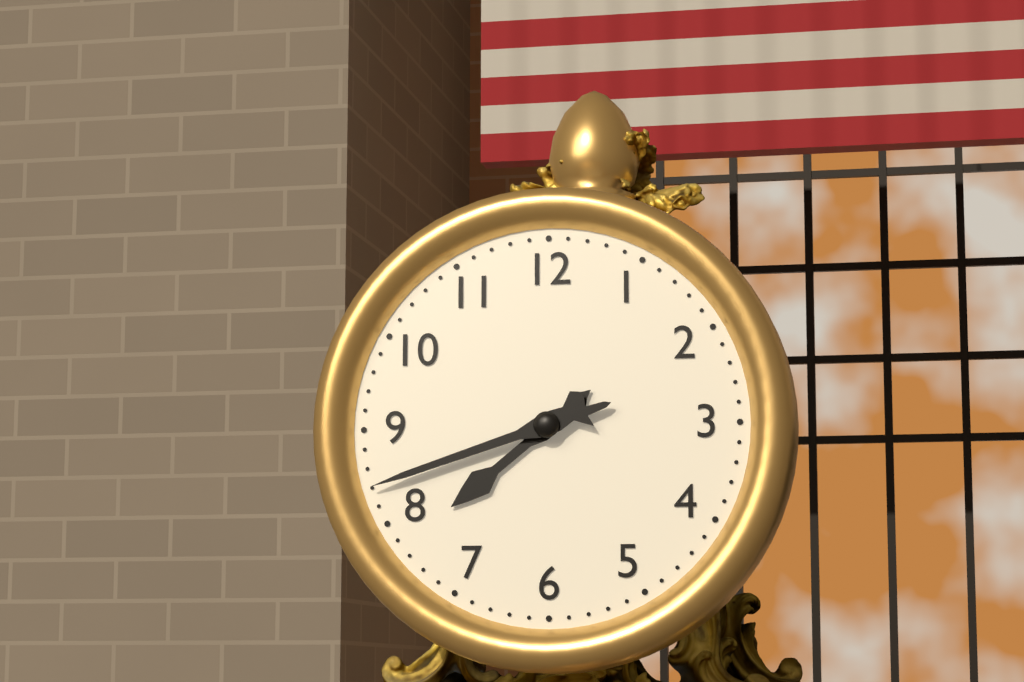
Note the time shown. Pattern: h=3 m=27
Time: h=7 m=42
